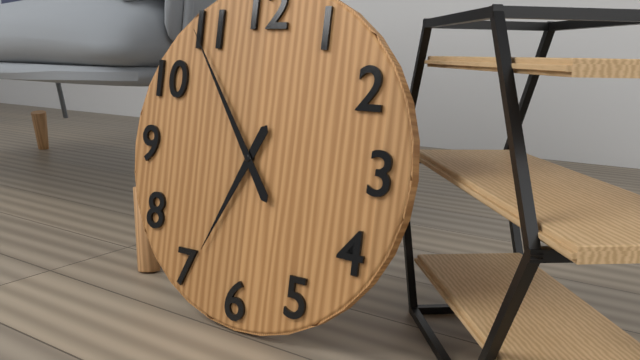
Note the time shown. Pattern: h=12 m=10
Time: h=6 m=54
